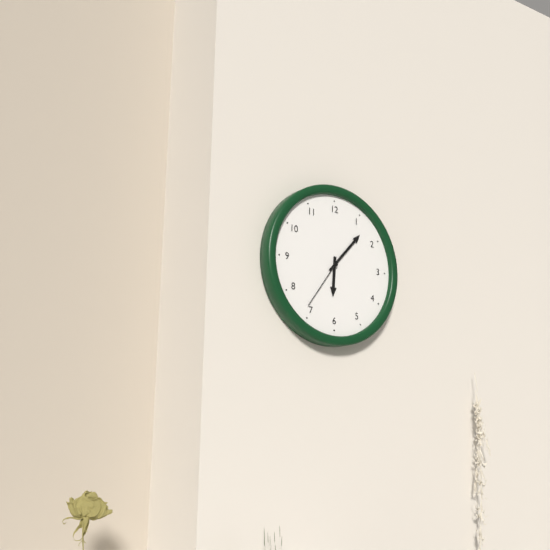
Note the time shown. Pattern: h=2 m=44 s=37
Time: h=6 m=7 s=36
